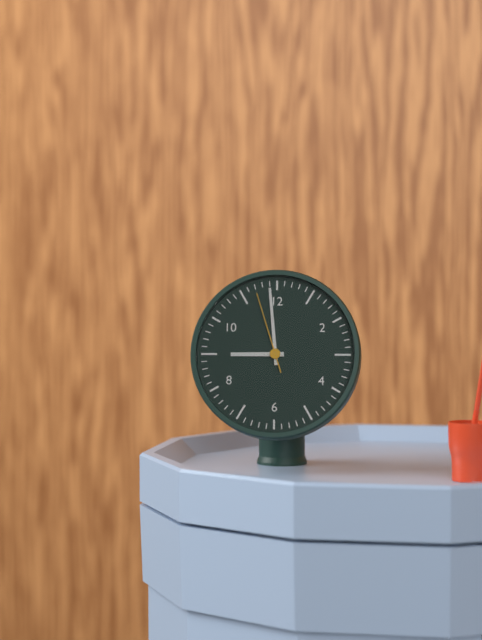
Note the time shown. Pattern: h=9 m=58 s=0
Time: h=8 m=59 s=57
